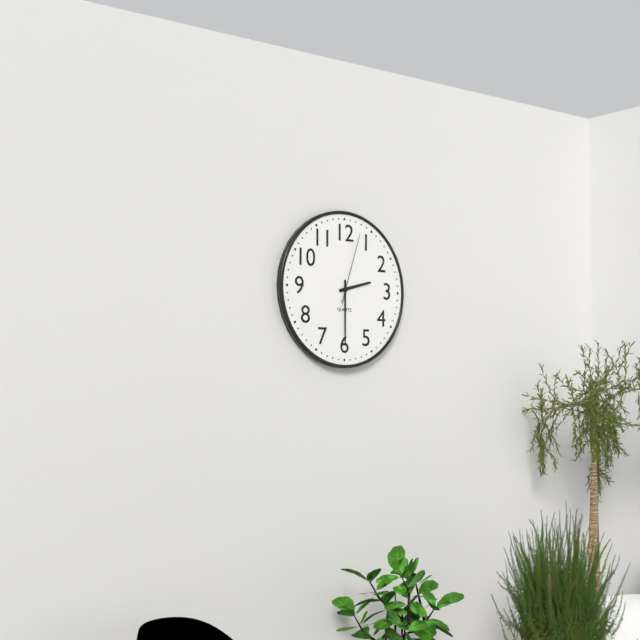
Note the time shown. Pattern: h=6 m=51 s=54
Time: h=2 m=30 s=3
